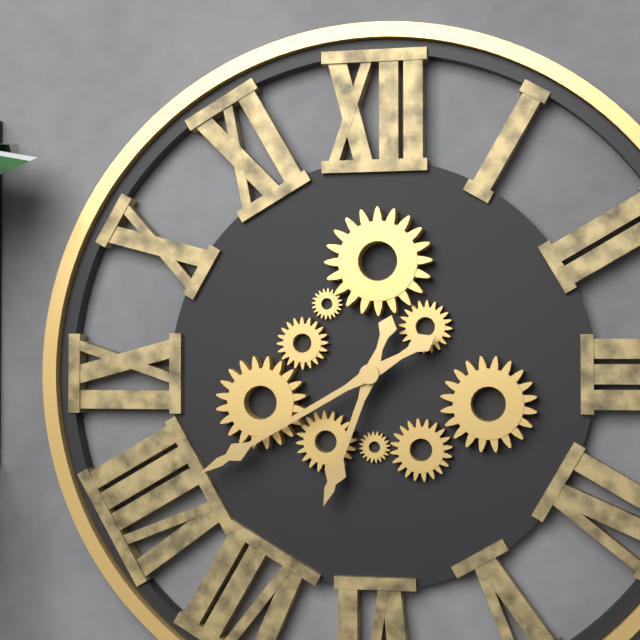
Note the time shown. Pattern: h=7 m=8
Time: h=6 m=40
